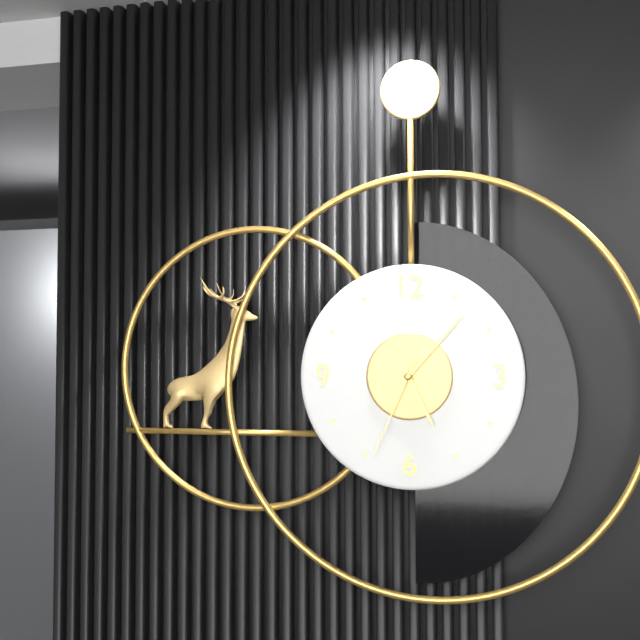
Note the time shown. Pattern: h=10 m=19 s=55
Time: h=5 m=7 s=34
